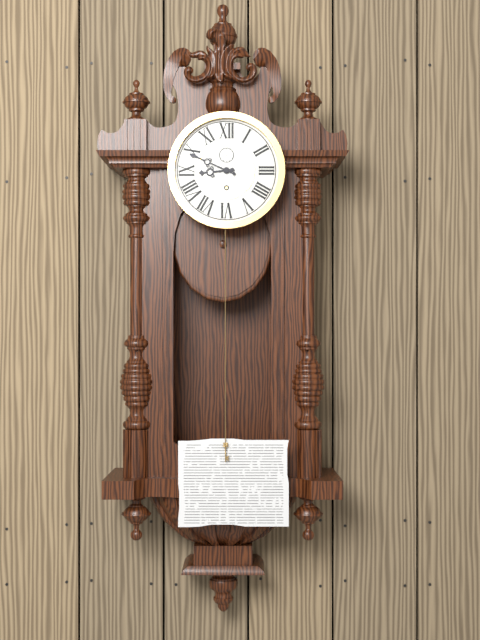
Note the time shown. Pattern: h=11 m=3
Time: h=8 m=49
